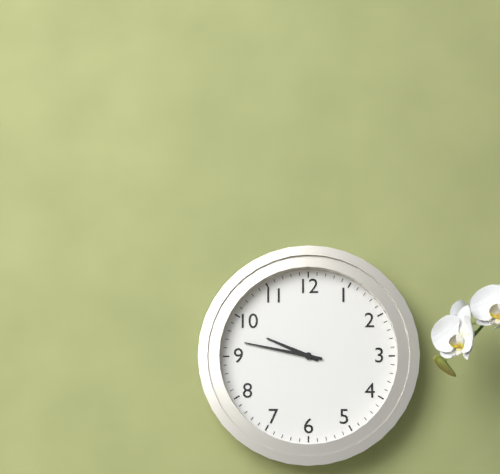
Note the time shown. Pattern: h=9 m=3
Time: h=9 m=47
